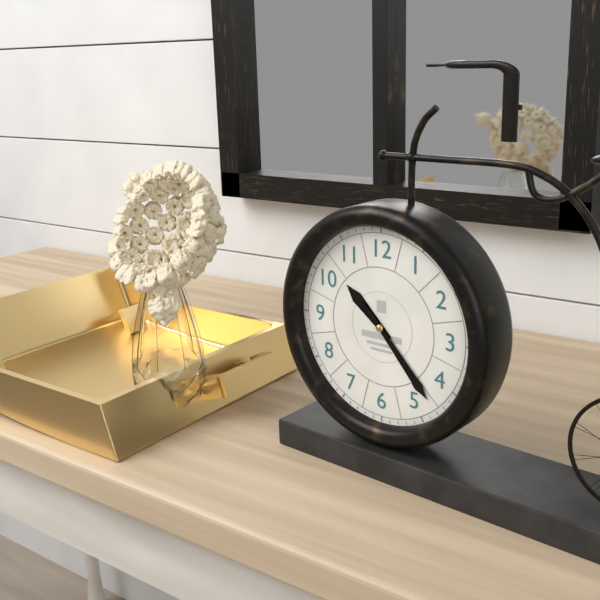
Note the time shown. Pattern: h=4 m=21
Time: h=10 m=23
